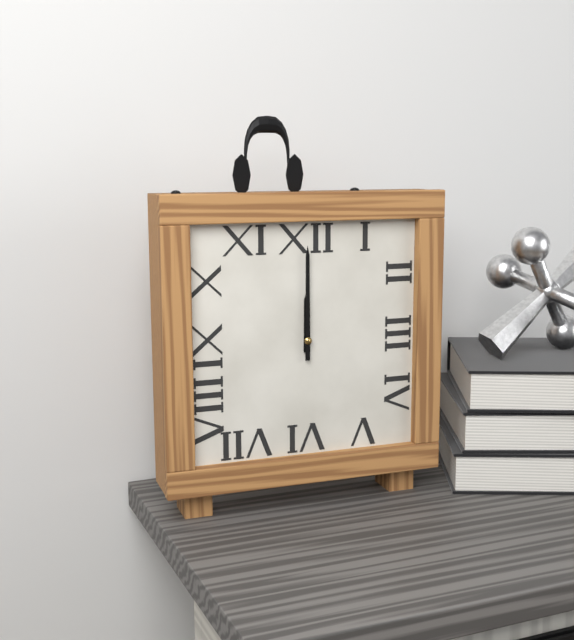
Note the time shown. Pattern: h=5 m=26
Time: h=12 m=0
